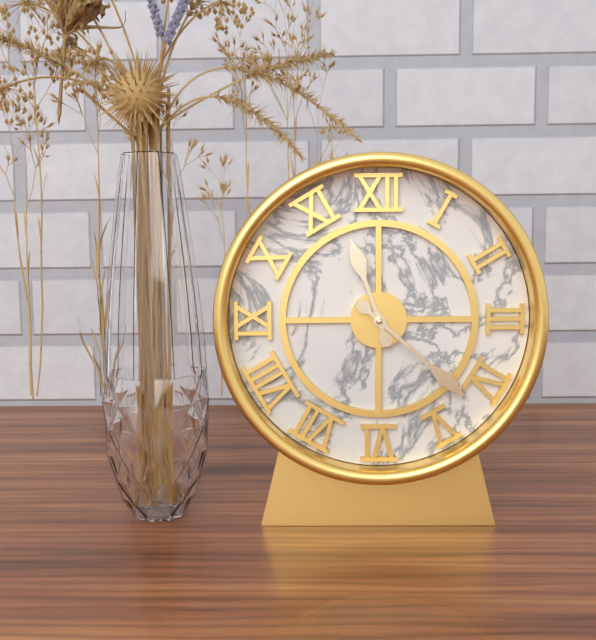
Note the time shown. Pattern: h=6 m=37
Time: h=11 m=22
